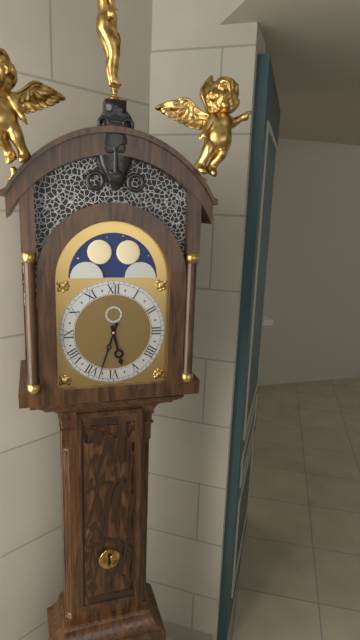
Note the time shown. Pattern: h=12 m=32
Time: h=5 m=33
